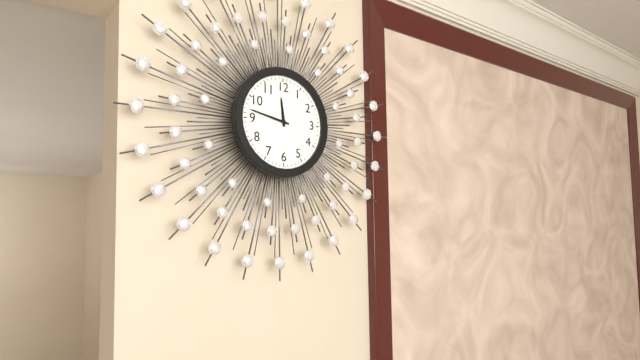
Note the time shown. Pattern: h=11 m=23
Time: h=11 m=47
